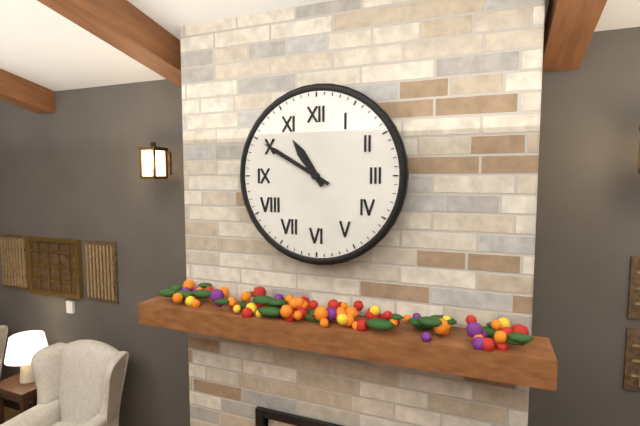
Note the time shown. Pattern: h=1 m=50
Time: h=10 m=50
